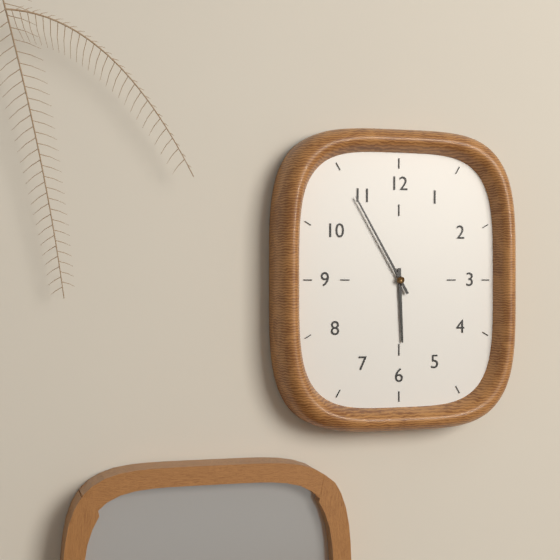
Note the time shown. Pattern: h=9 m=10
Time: h=5 m=55
